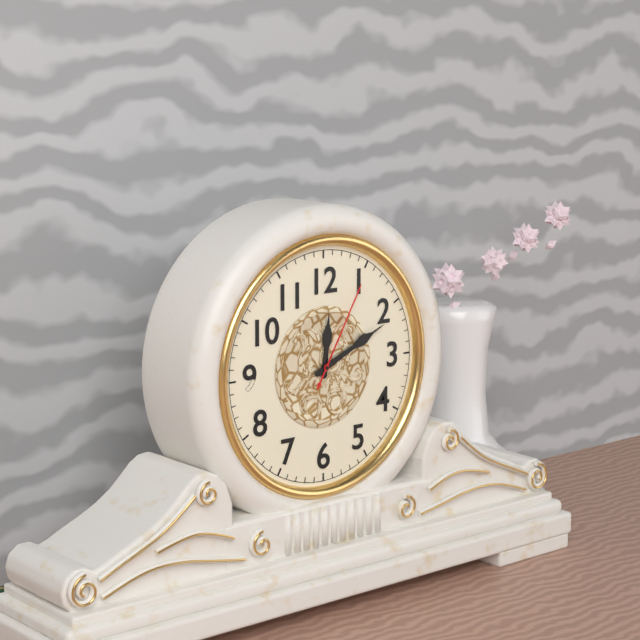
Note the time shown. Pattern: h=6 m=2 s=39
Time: h=12 m=11 s=5
